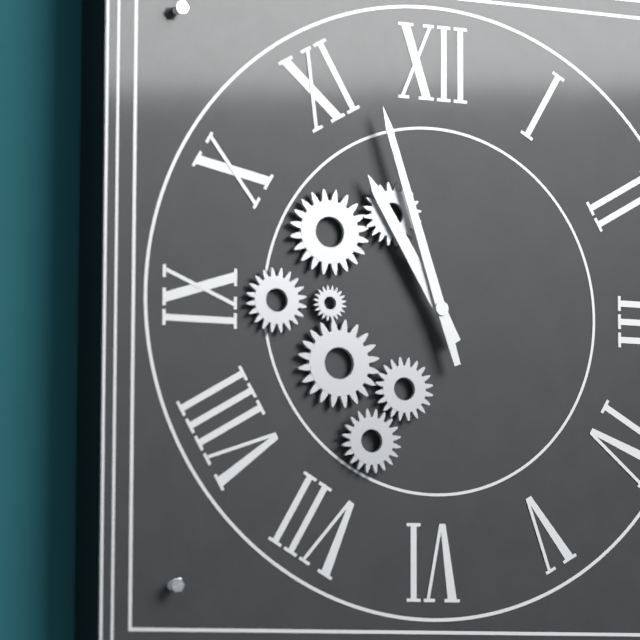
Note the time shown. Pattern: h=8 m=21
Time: h=10 m=57
